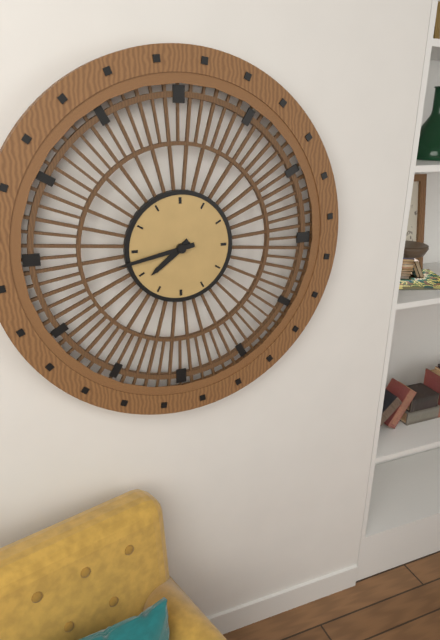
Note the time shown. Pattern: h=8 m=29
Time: h=7 m=43
